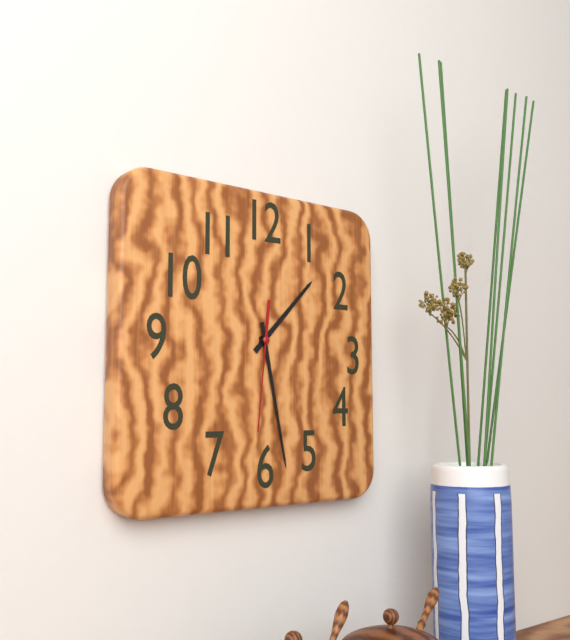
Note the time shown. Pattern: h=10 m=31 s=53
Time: h=1 m=28 s=31
